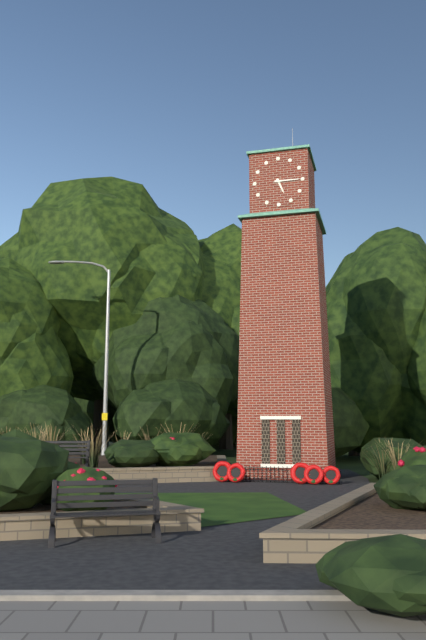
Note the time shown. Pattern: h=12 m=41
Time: h=5 m=15
